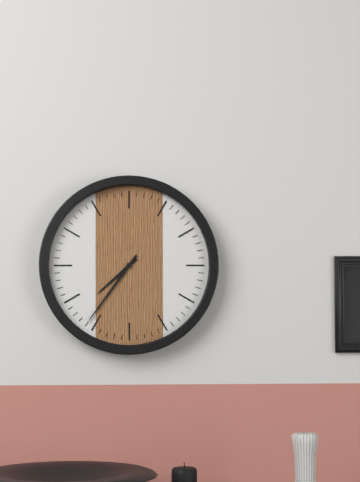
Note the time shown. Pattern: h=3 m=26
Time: h=7 m=36
